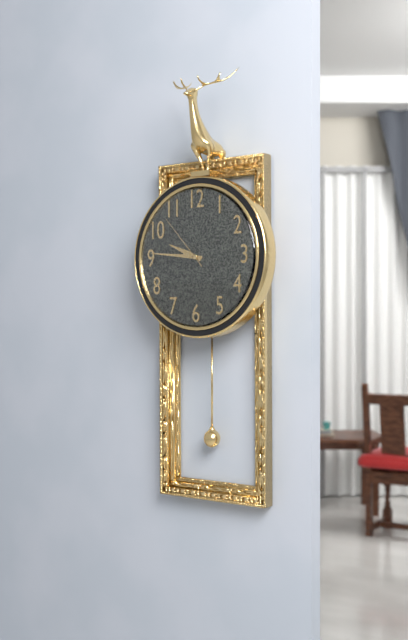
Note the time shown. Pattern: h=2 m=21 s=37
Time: h=9 m=46 s=53
